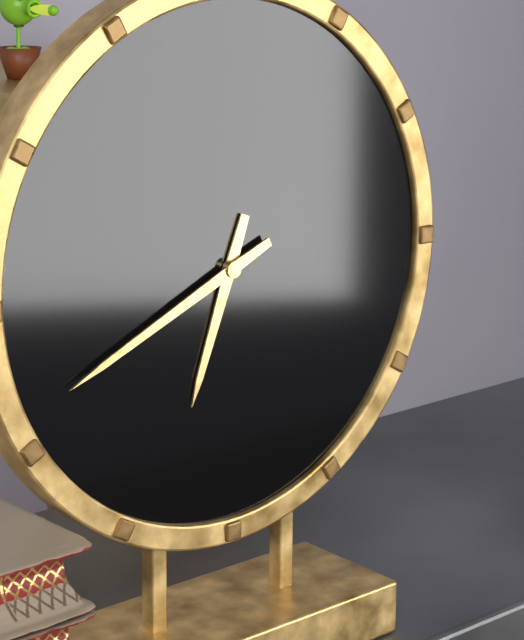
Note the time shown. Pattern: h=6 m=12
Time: h=6 m=41
